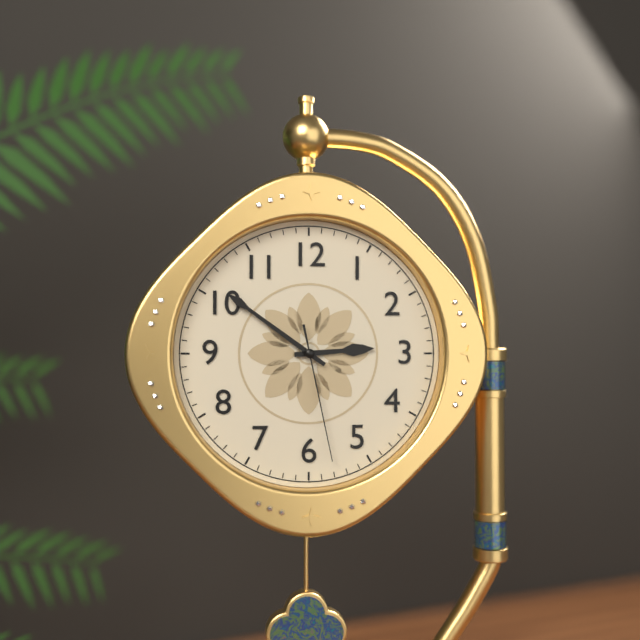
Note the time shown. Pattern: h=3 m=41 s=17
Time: h=2 m=51 s=28
